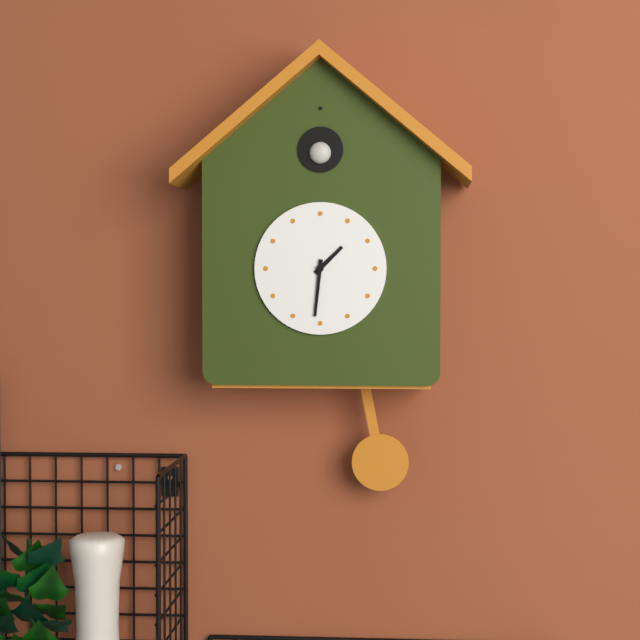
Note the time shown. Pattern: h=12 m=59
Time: h=1 m=31
